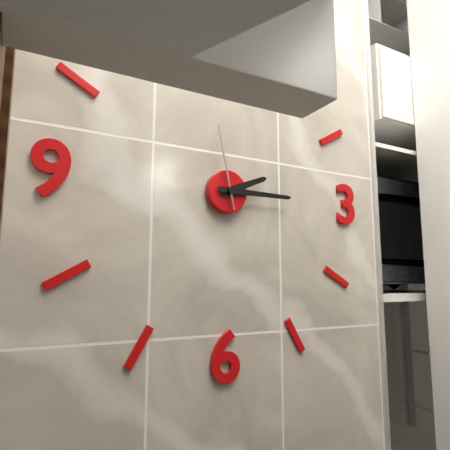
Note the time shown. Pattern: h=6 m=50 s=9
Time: h=2 m=15 s=58
